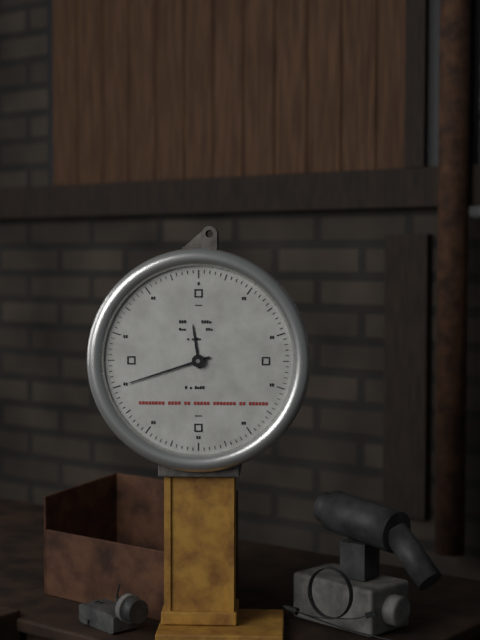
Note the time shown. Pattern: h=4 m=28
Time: h=11 m=42
